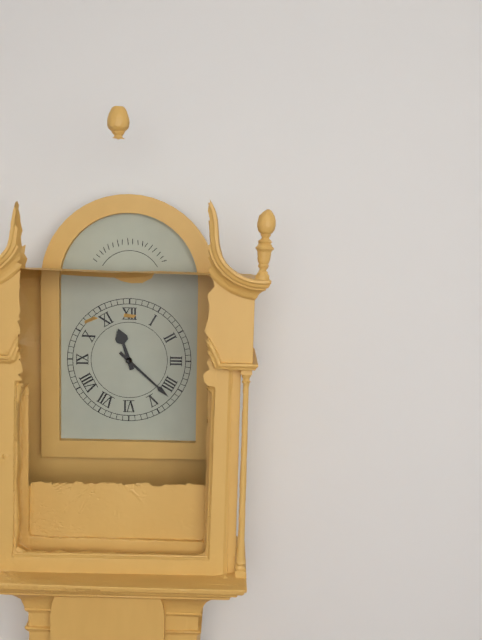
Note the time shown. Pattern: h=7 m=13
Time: h=11 m=22
